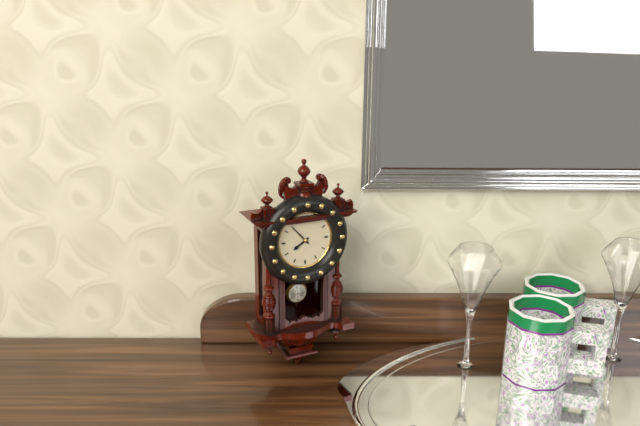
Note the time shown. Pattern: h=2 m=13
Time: h=7 m=53
